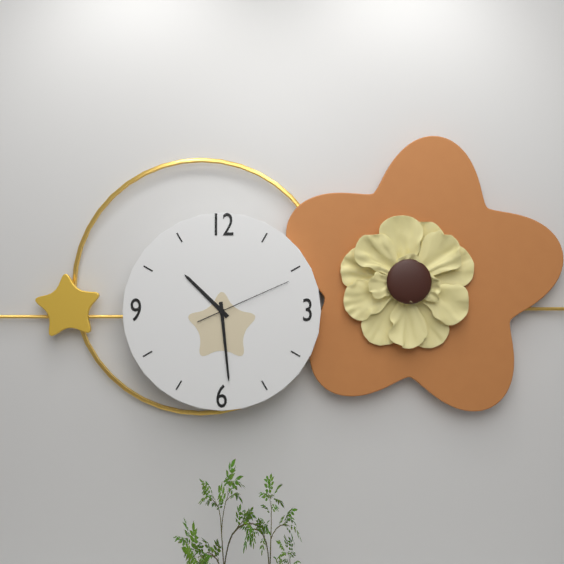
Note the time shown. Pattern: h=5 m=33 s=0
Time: h=10 m=29 s=11
